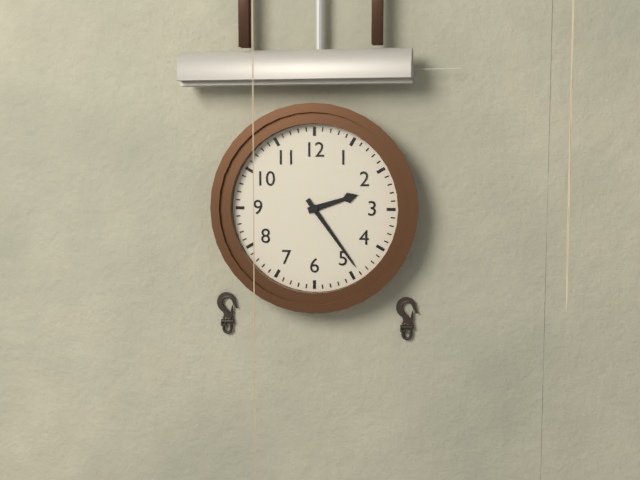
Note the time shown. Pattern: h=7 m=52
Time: h=2 m=24
